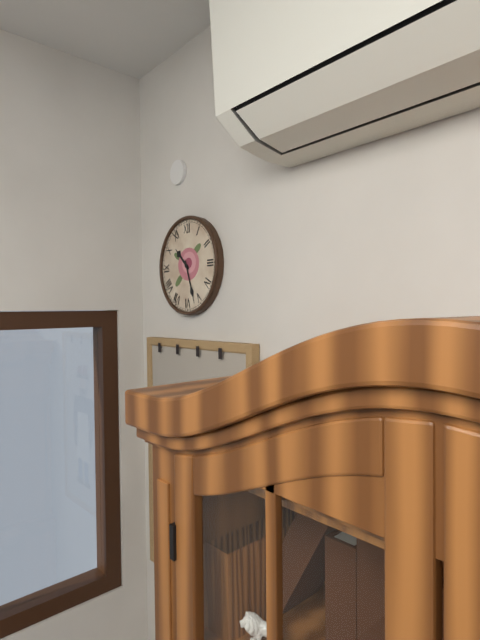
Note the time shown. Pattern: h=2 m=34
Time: h=10 m=27
